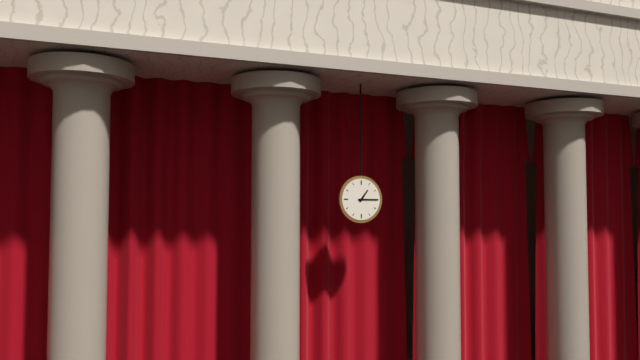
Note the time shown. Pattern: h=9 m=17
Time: h=1 m=15
